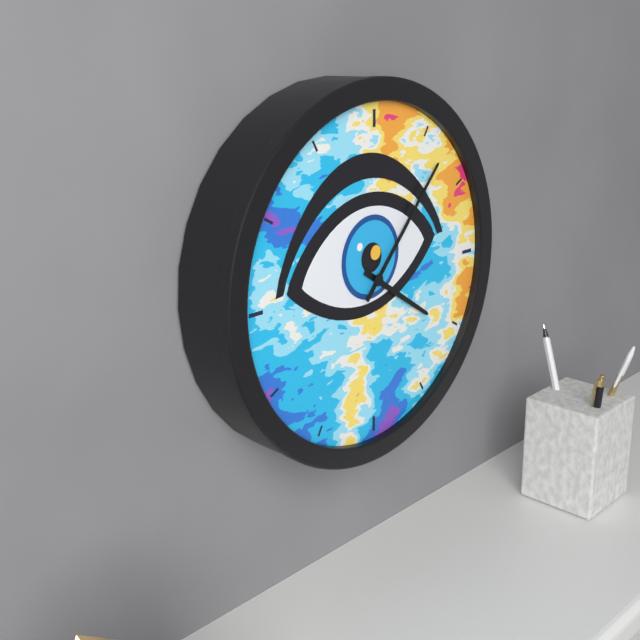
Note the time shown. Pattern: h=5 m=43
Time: h=4 m=7
